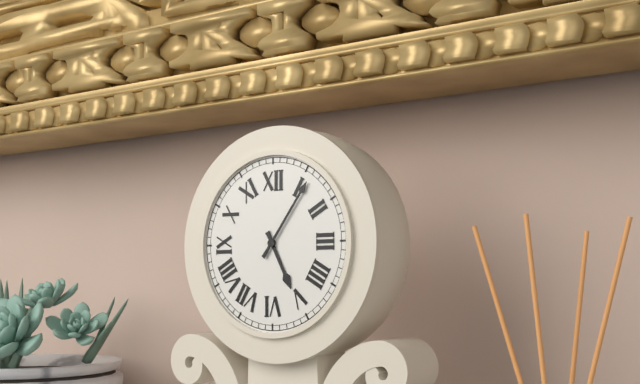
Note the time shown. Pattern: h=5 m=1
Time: h=5 m=6
